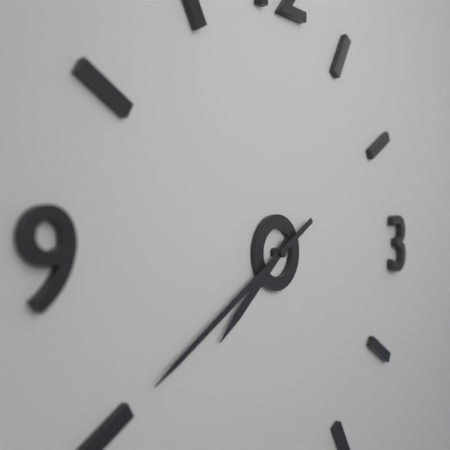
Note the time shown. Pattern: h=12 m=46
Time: h=7 m=40
